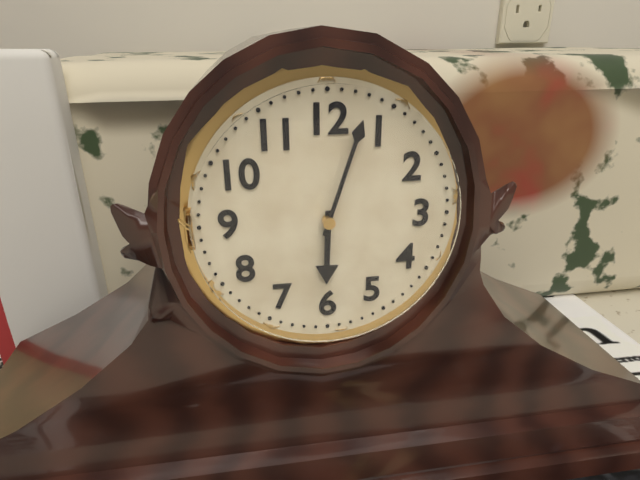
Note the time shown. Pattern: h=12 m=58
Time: h=6 m=3
